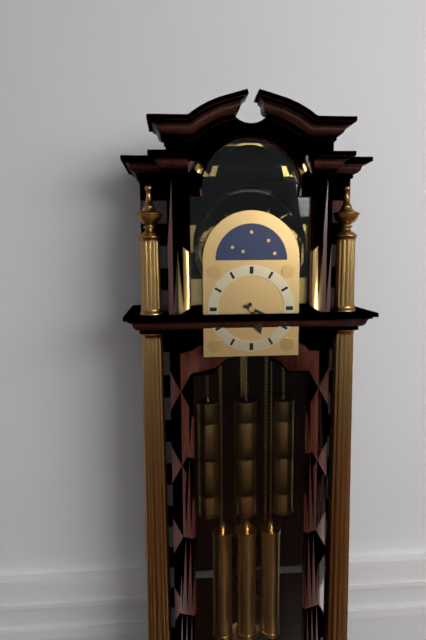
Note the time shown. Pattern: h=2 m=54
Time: h=5 m=19
